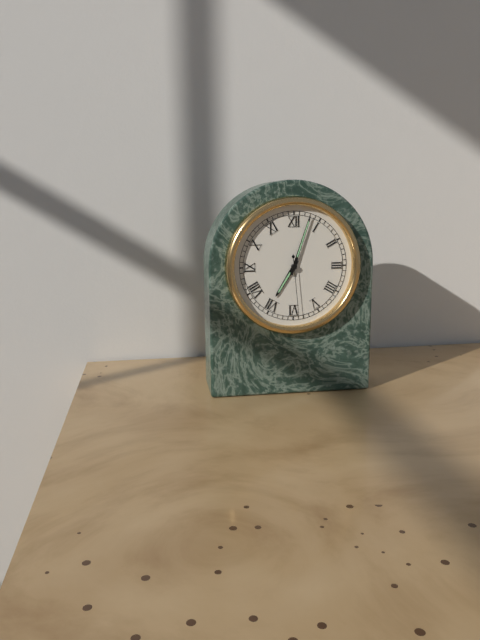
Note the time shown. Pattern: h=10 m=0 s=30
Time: h=7 m=3 s=29
